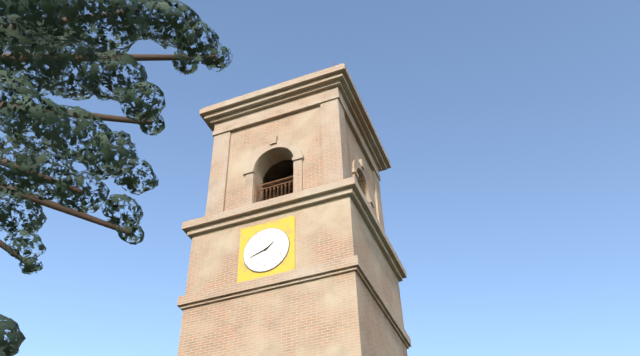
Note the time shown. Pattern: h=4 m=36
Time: h=1 m=42
